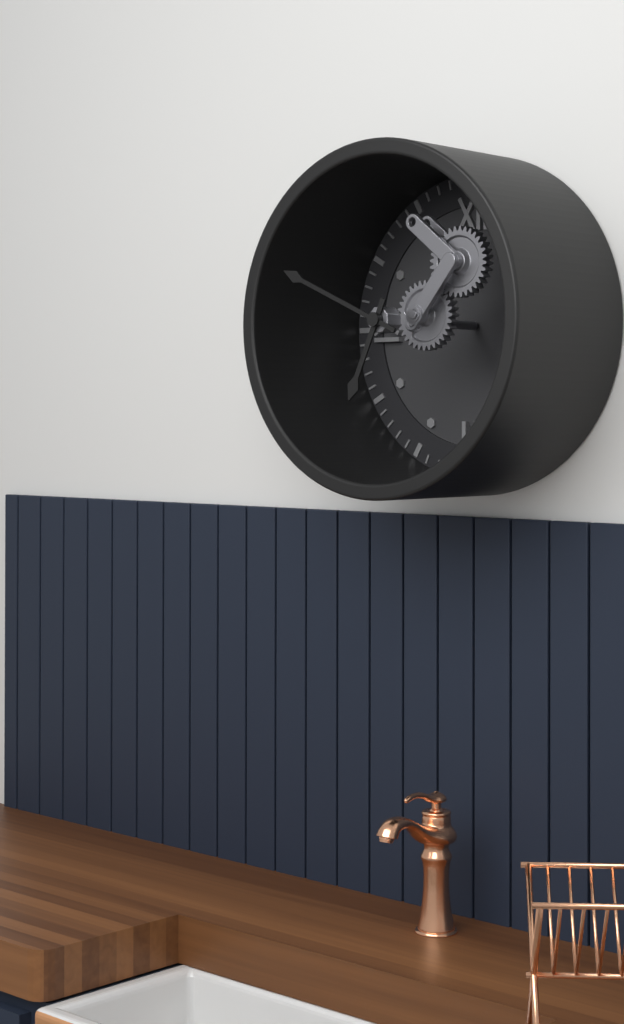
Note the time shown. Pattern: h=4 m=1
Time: h=6 m=49
